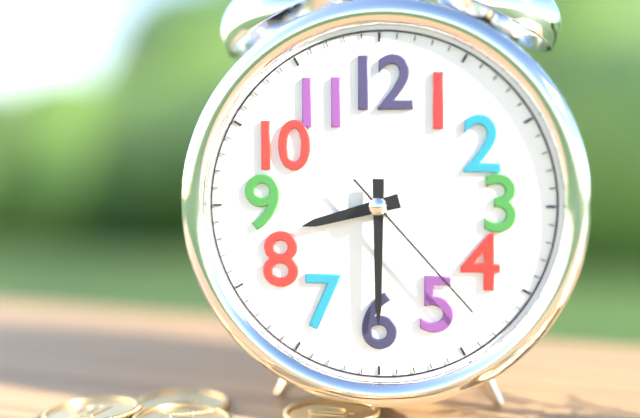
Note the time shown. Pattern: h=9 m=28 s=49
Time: h=8 m=30 s=23
